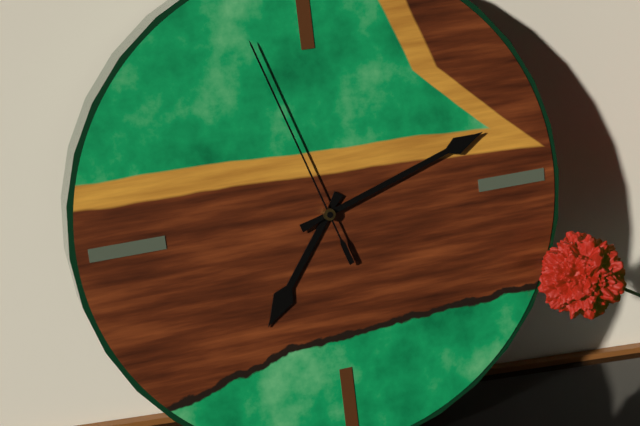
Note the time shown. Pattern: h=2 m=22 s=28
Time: h=7 m=12 s=57
